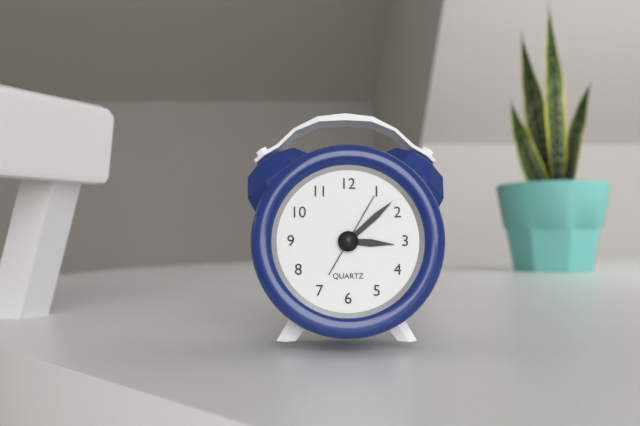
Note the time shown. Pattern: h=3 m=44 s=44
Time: h=3 m=8 s=5
